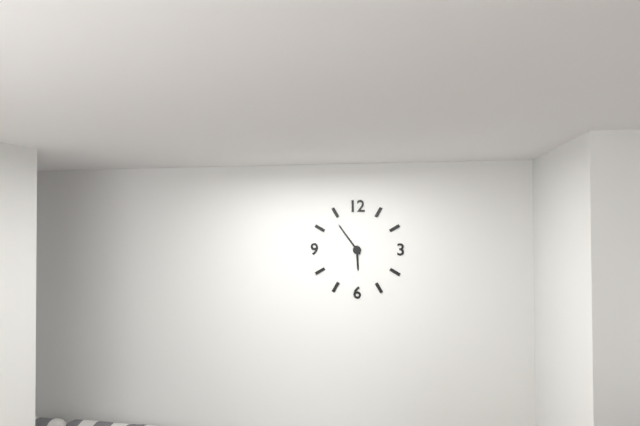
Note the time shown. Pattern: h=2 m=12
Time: h=5 m=54
